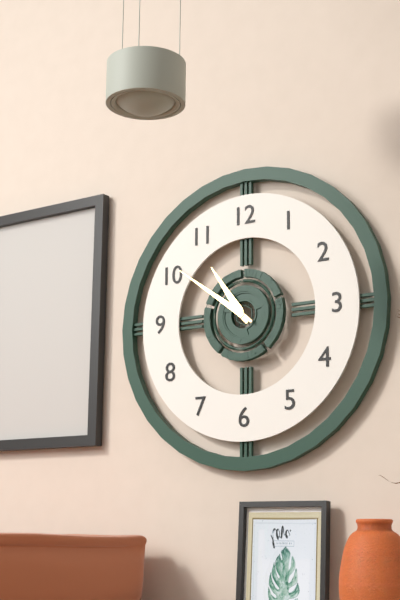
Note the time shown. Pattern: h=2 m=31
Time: h=10 m=51
